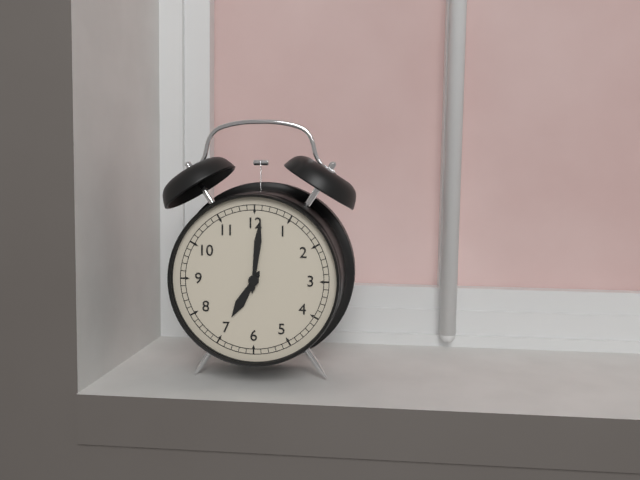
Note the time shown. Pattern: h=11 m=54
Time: h=7 m=1
